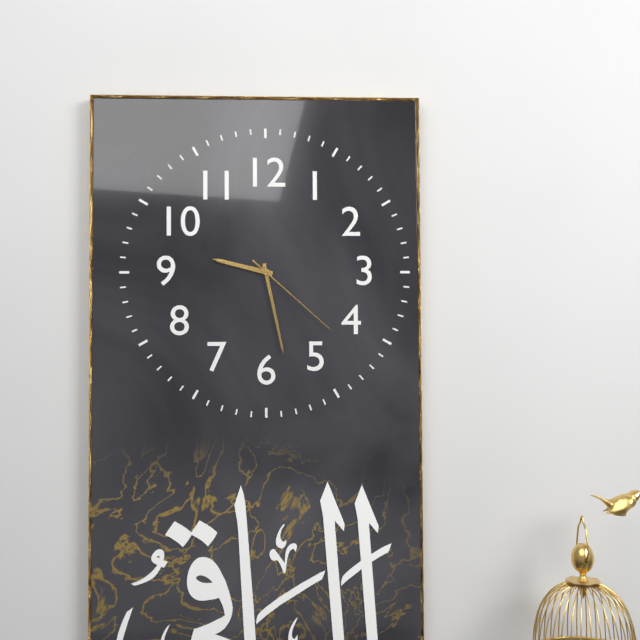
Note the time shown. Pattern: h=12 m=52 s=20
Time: h=9 m=28 s=22
